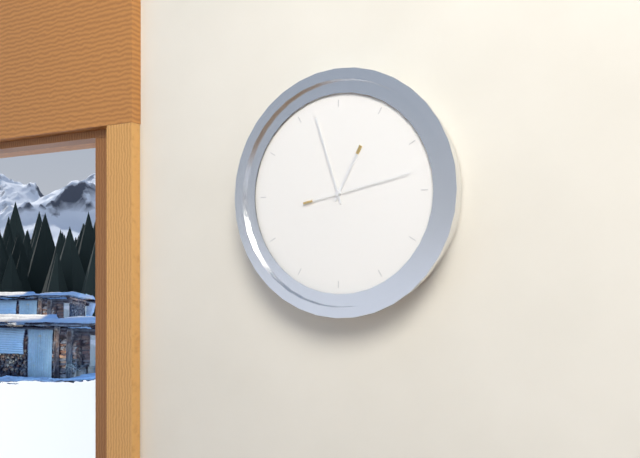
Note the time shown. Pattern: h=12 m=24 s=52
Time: h=12 m=57 s=13
